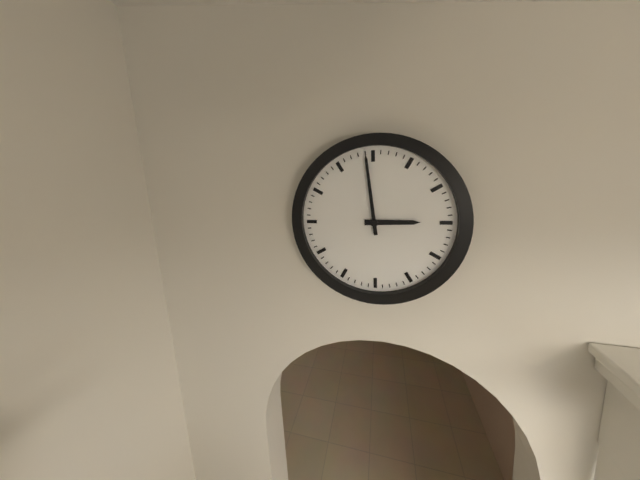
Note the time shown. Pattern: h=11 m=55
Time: h=2 m=59
